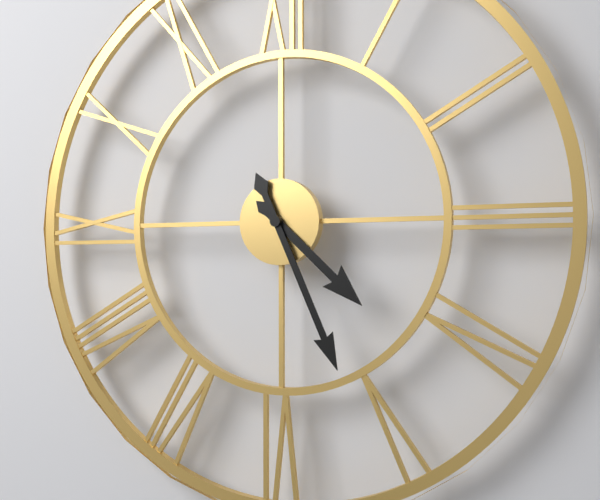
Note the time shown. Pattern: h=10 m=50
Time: h=4 m=26
